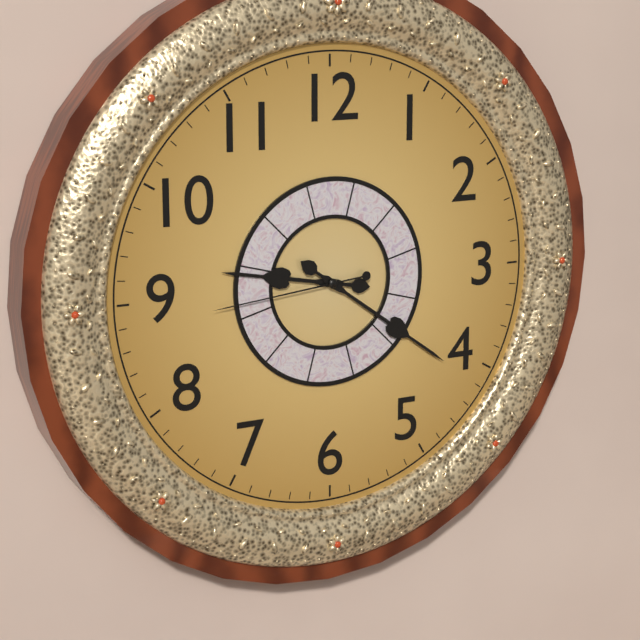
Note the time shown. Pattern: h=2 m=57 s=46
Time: h=9 m=21 s=44
